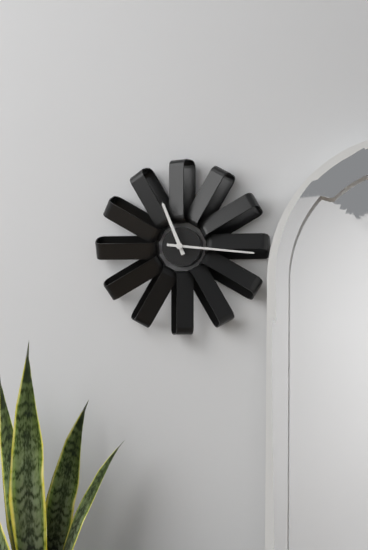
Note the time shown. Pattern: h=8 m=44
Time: h=11 m=16
